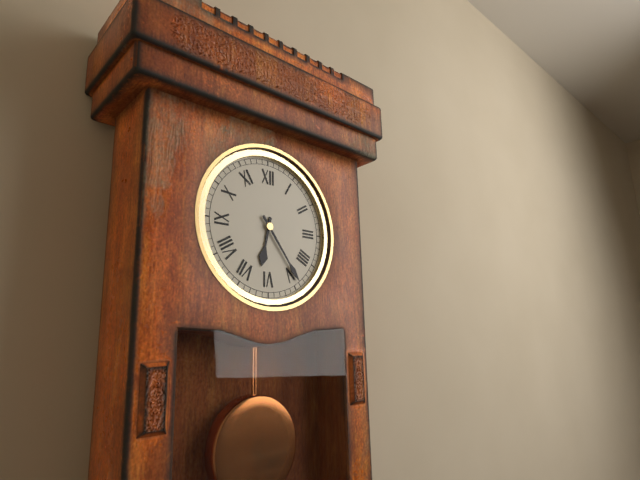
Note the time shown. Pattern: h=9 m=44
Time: h=6 m=24
